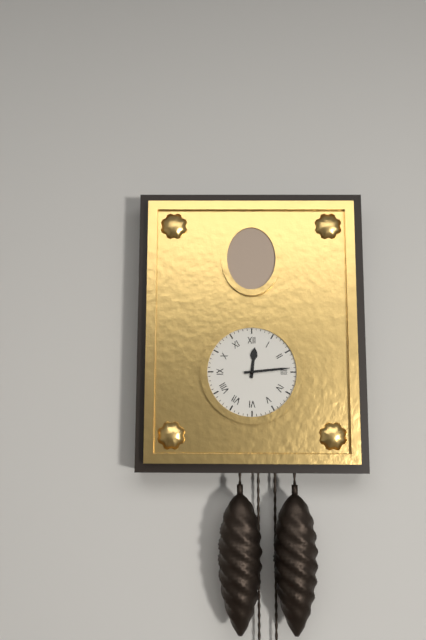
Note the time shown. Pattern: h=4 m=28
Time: h=12 m=14
